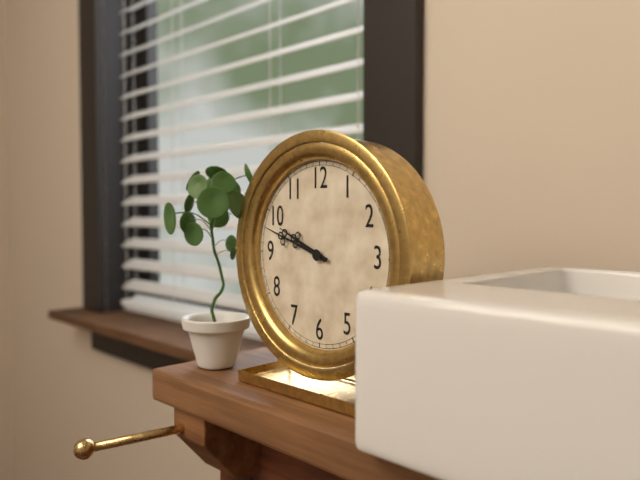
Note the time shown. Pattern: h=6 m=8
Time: h=9 m=48
